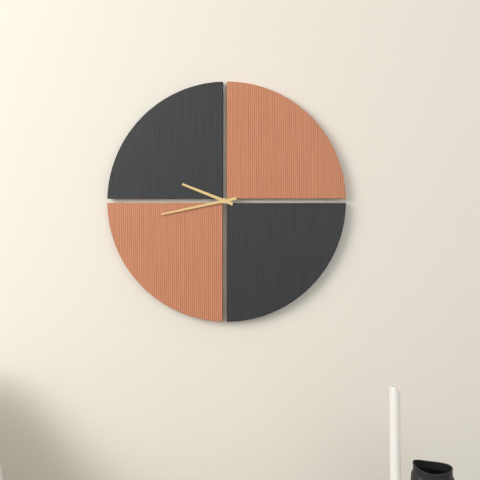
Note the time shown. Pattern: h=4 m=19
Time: h=9 m=43
